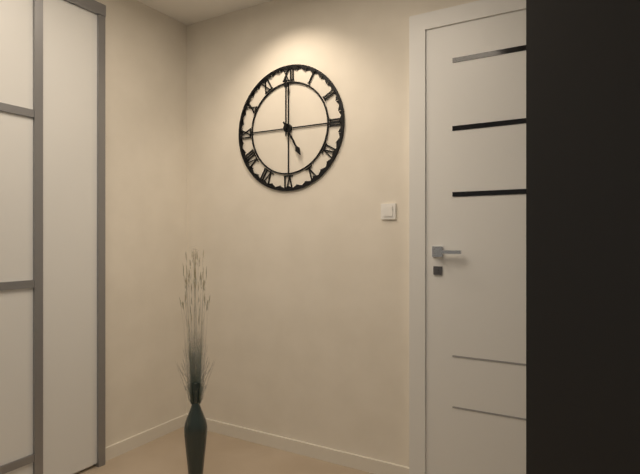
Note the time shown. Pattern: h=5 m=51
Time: h=5 m=0
